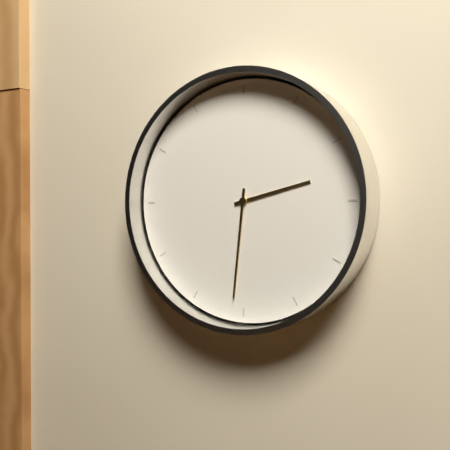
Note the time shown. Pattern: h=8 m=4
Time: h=2 m=31
